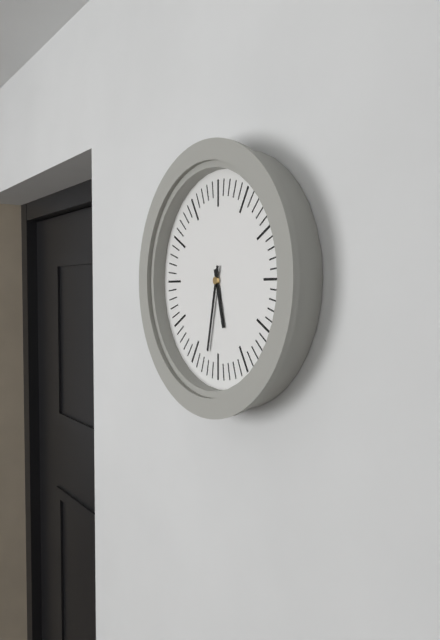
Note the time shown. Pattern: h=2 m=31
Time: h=5 m=32
